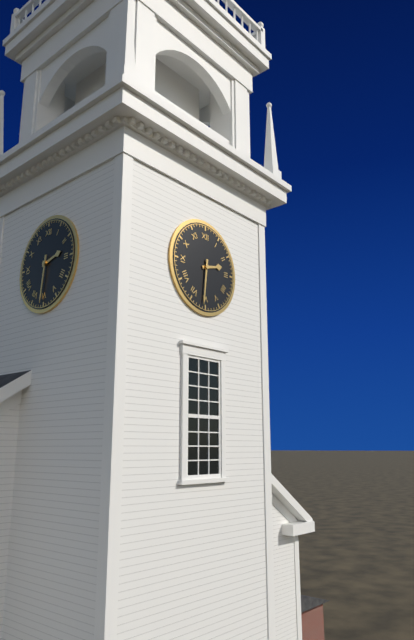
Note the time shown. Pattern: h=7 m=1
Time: h=2 m=31
